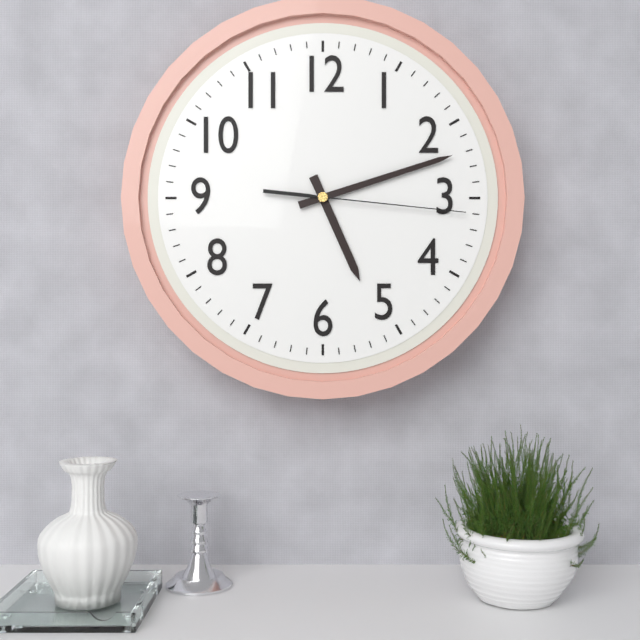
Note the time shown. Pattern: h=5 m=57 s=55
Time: h=5 m=12 s=16
